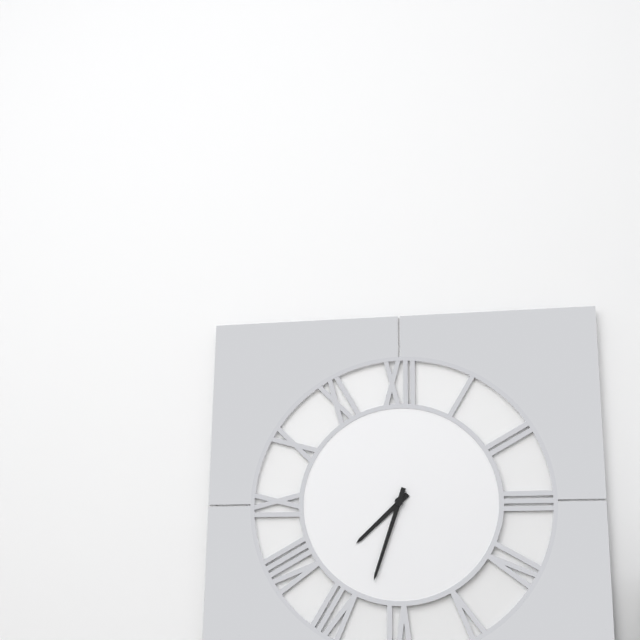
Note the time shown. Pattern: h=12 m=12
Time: h=7 m=33
